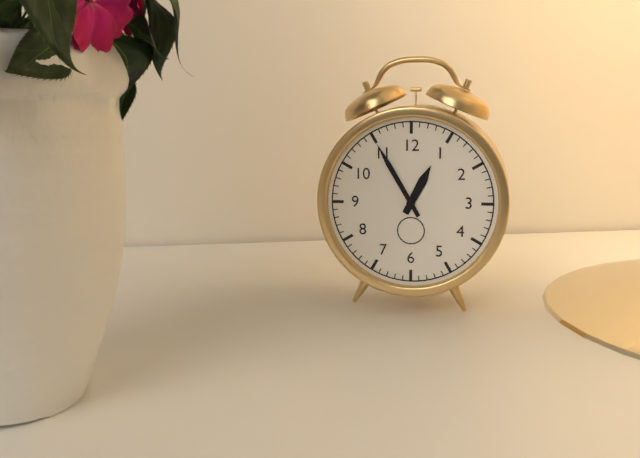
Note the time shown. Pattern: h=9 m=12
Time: h=12 m=55
